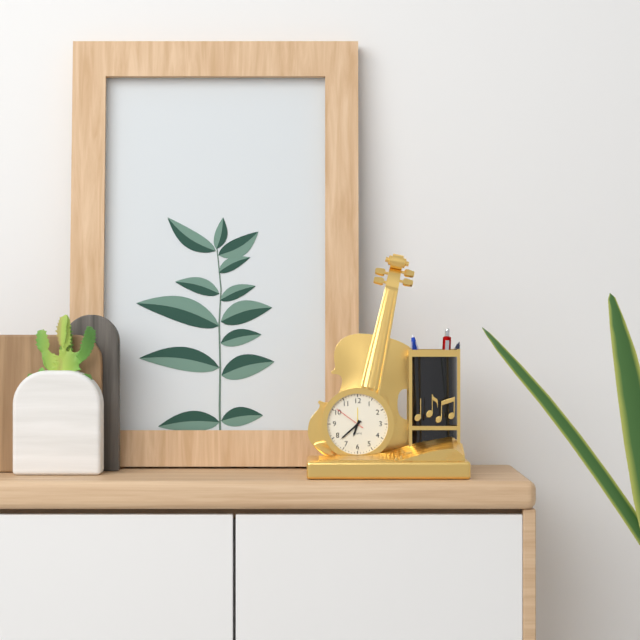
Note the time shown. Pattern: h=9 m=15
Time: h=6 m=38
